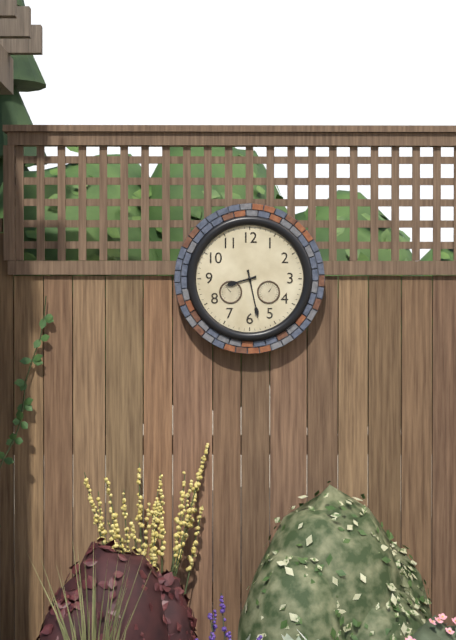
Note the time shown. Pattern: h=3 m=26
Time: h=8 m=28
